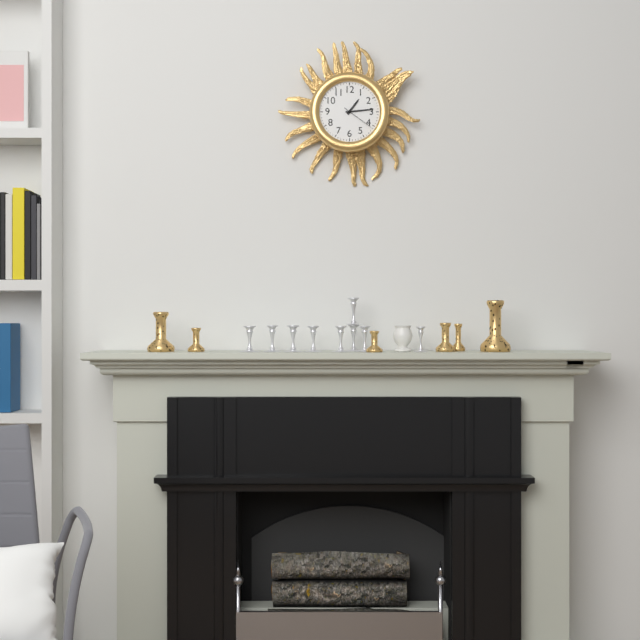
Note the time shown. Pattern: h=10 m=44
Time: h=1 m=14
